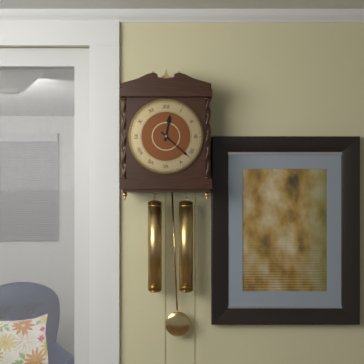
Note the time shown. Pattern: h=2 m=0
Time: h=12 m=22
